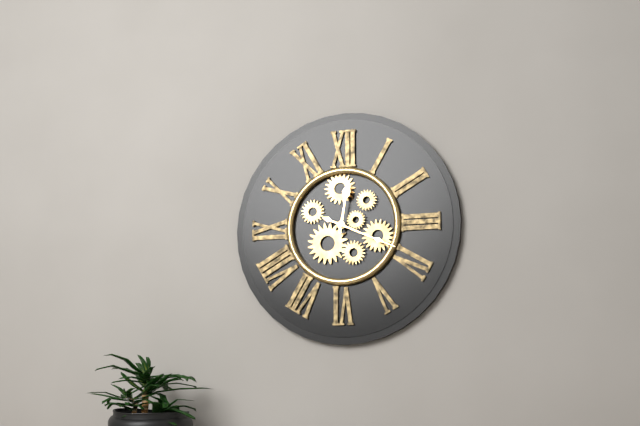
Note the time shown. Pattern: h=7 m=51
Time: h=12 m=19
